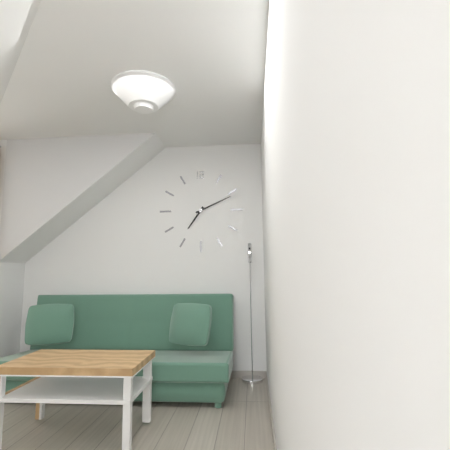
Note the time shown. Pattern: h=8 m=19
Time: h=7 m=11
